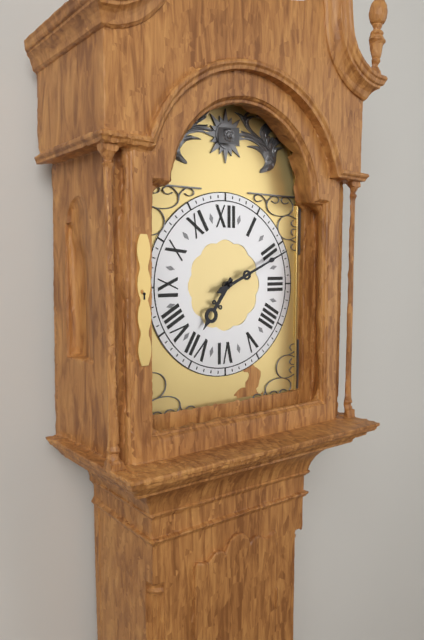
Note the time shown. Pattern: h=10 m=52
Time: h=7 m=11
